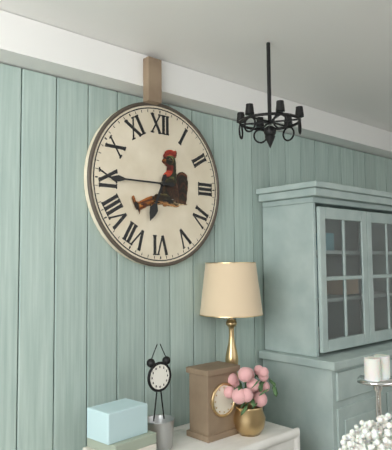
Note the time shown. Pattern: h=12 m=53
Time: h=6 m=45
